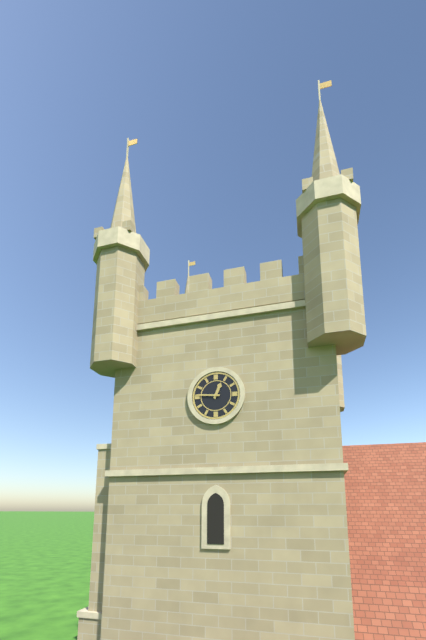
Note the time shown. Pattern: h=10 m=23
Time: h=12 m=46
